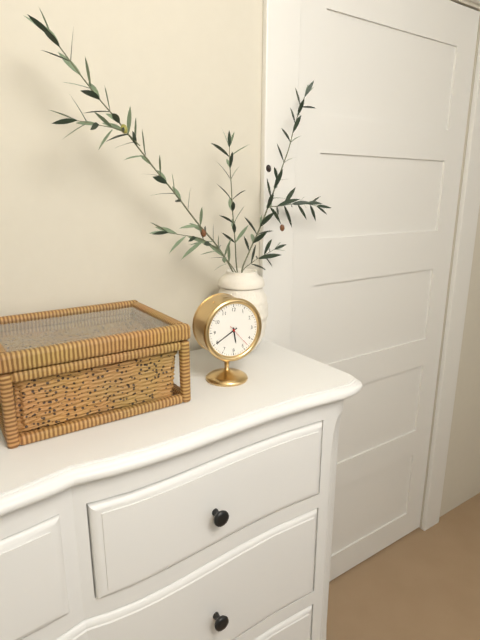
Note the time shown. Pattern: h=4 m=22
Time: h=5 m=40
